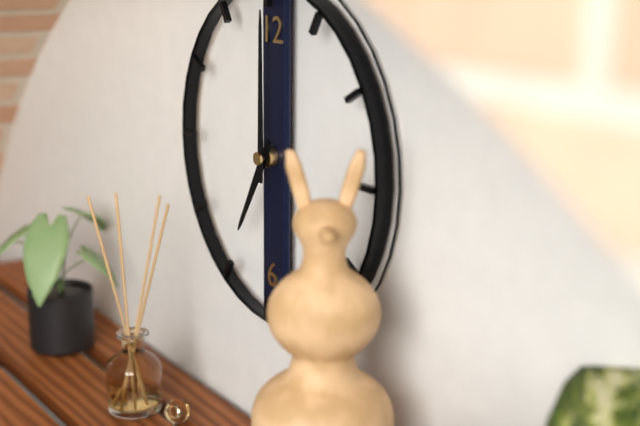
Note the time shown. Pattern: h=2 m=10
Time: h=7 m=0
